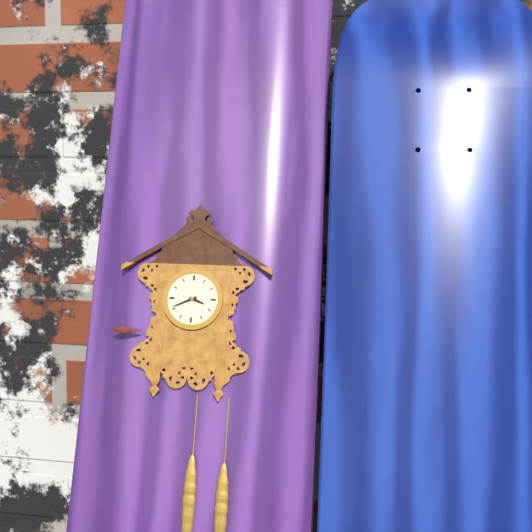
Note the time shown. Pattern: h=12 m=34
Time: h=3 m=41
